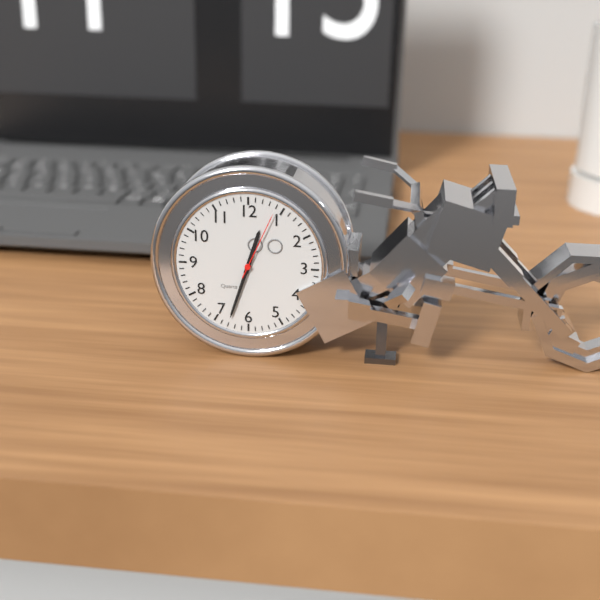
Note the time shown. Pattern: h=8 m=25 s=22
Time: h=12 m=33 s=4
